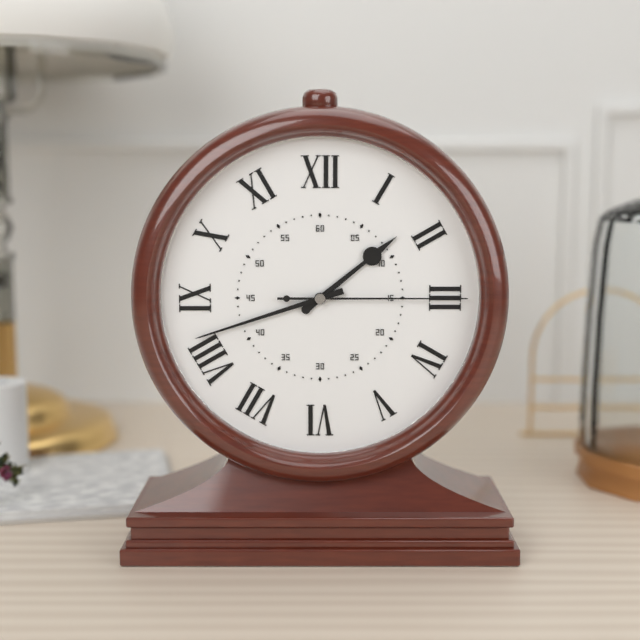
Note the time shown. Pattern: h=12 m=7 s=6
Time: h=1 m=42 s=15
